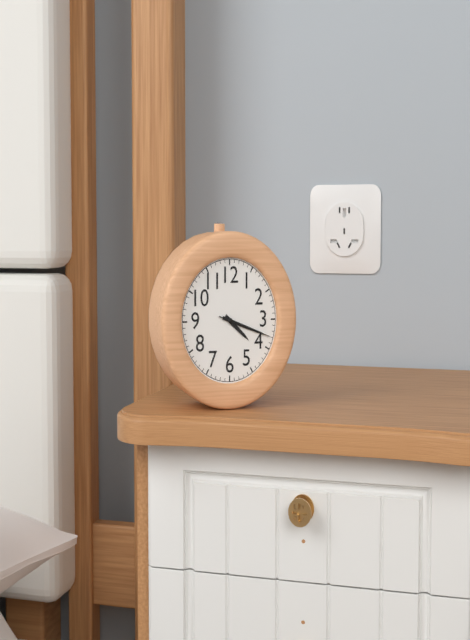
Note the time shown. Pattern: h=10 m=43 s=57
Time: h=4 m=18 s=18
